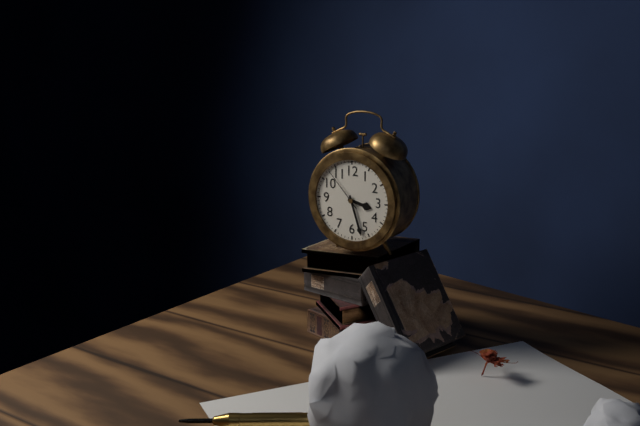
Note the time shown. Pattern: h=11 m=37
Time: h=3 m=27
